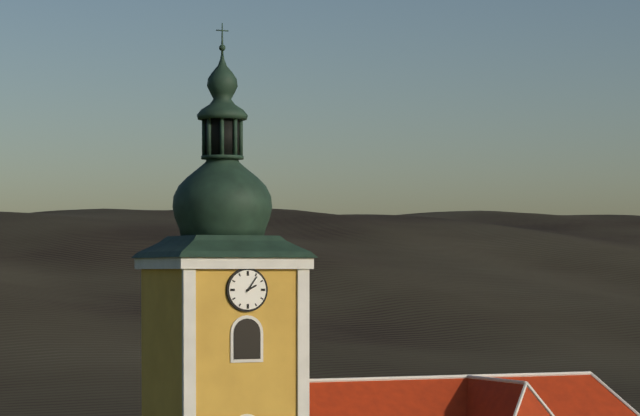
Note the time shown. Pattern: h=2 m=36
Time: h=2 m=6
